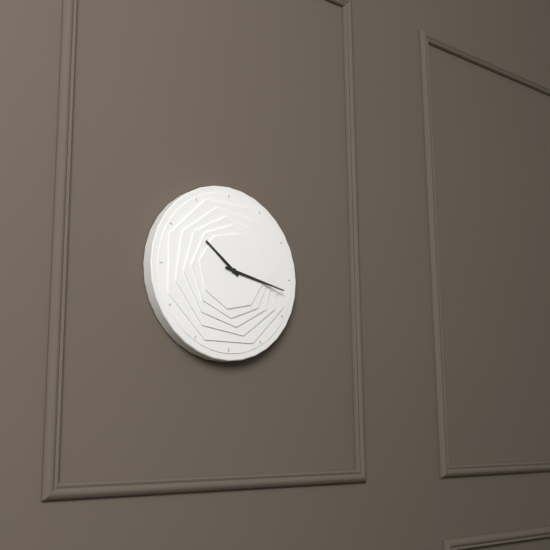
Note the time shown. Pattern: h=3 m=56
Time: h=10 m=17
